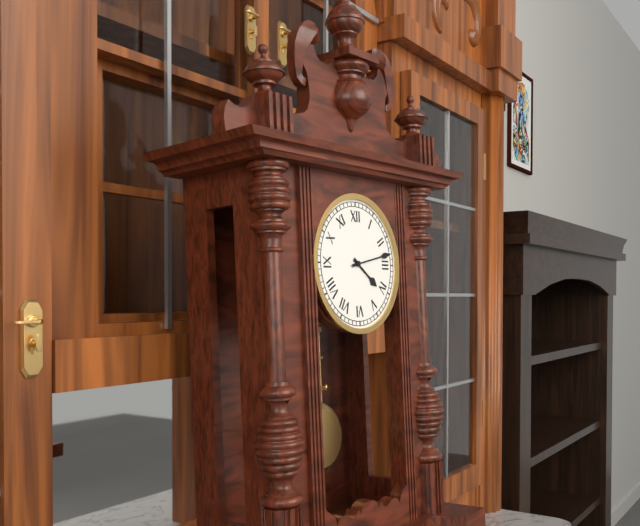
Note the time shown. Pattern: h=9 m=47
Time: h=4 m=13
